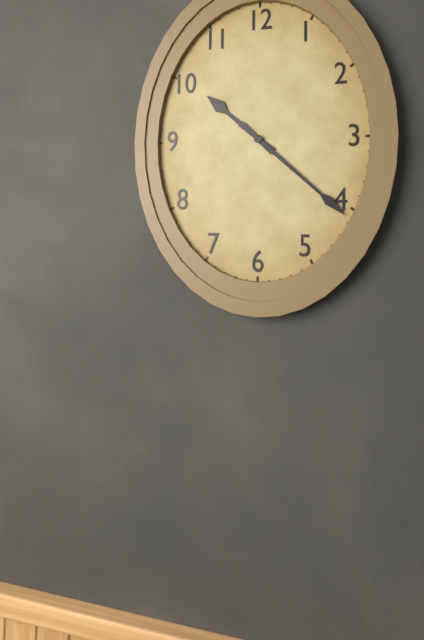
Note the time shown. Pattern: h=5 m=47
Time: h=10 m=22
